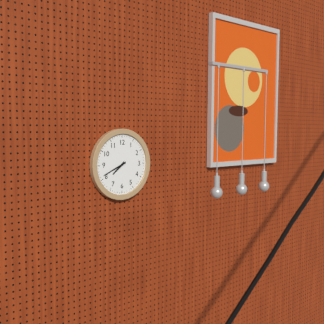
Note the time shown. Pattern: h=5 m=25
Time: h=7 m=41
